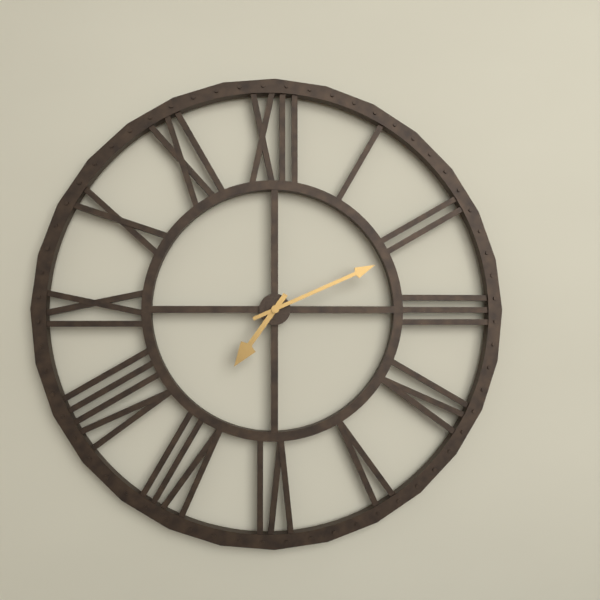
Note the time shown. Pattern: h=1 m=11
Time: h=7 m=11
